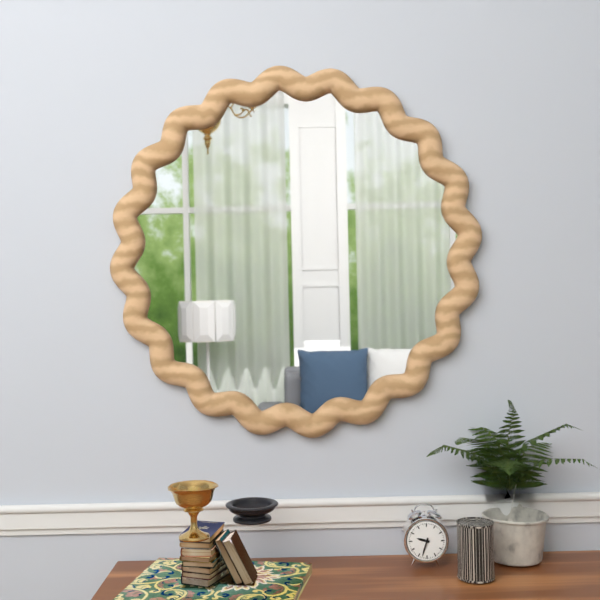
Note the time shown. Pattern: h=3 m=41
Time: h=9 m=33
